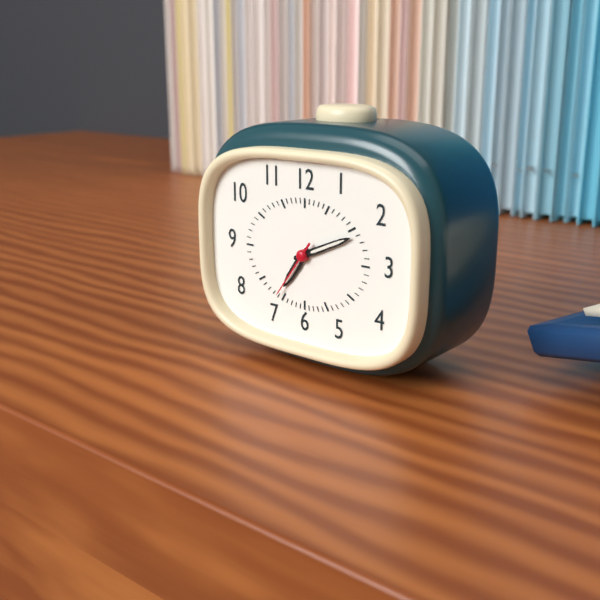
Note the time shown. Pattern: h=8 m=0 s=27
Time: h=7 m=11 s=36
